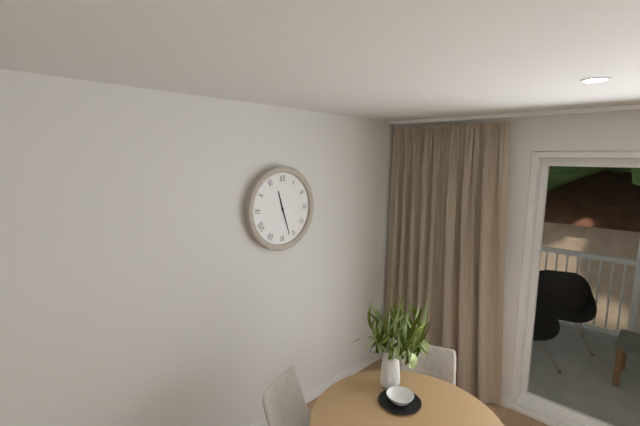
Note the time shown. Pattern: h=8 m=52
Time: h=11 m=27
